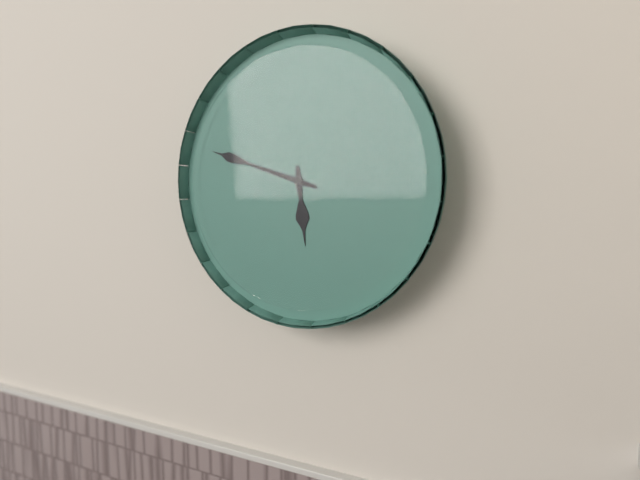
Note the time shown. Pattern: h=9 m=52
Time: h=5 m=48
